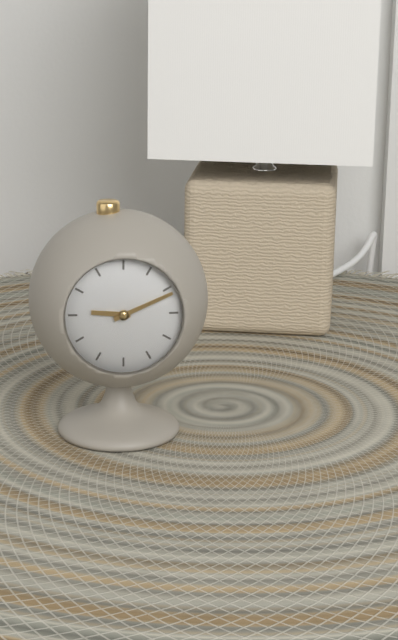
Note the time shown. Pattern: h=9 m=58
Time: h=9 m=11
